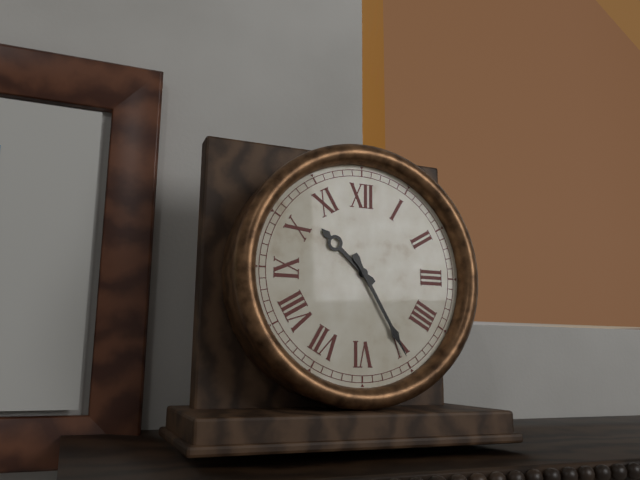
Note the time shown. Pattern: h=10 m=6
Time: h=10 m=25
